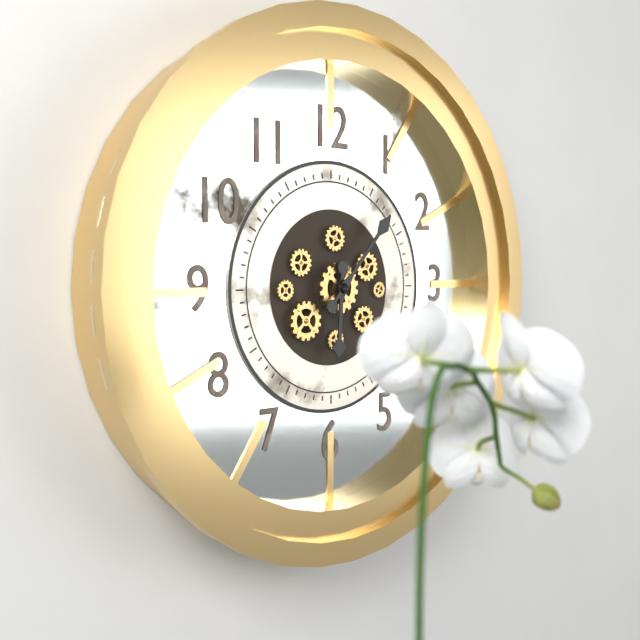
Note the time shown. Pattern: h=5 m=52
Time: h=6 m=7
